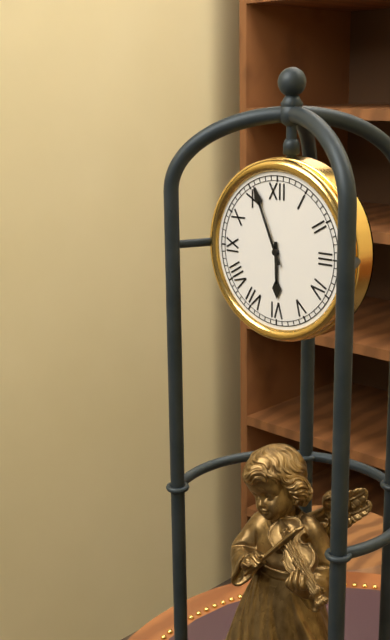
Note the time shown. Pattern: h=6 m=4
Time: h=5 m=56
